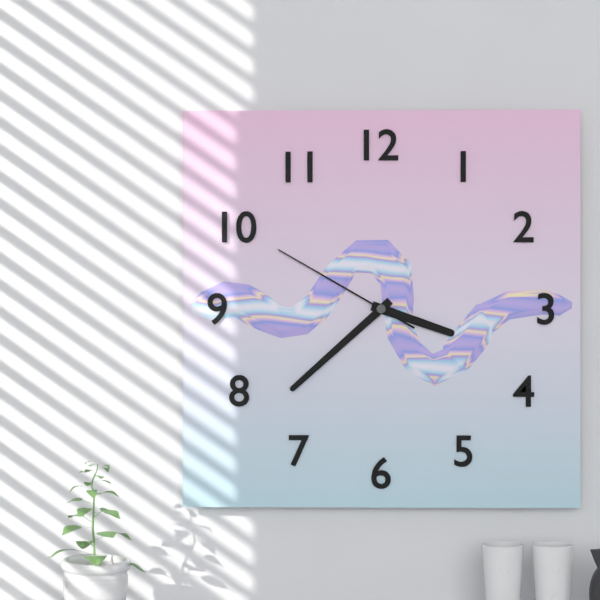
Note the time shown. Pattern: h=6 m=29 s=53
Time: h=3 m=38 s=50
